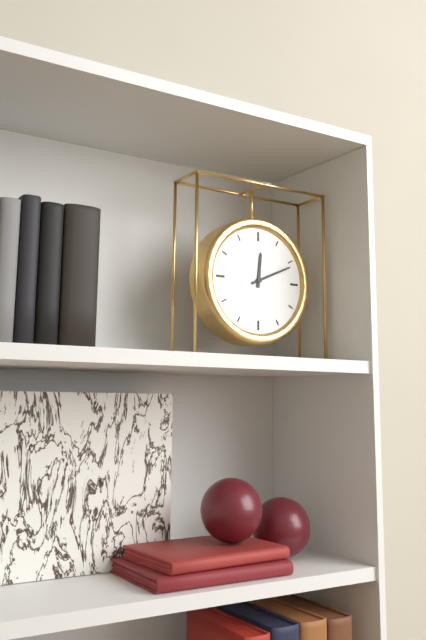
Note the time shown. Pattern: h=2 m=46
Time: h=12 m=11
